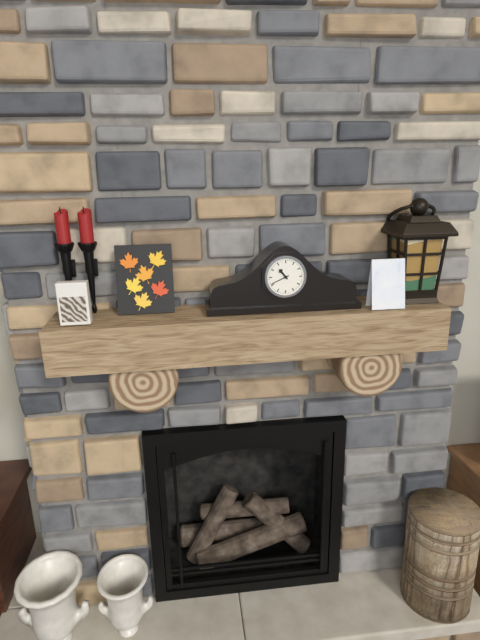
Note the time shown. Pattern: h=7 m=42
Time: h=10 m=41
